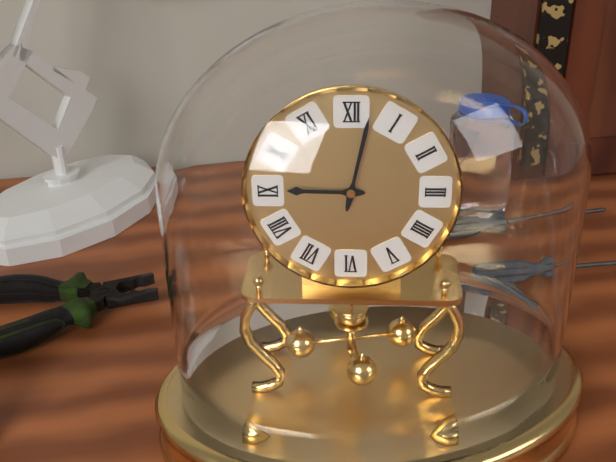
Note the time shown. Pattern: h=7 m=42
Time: h=9 m=2
